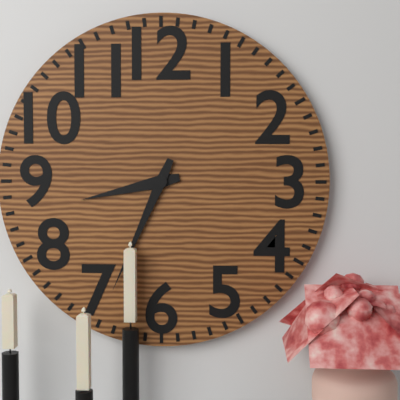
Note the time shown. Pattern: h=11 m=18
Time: h=8 m=34
